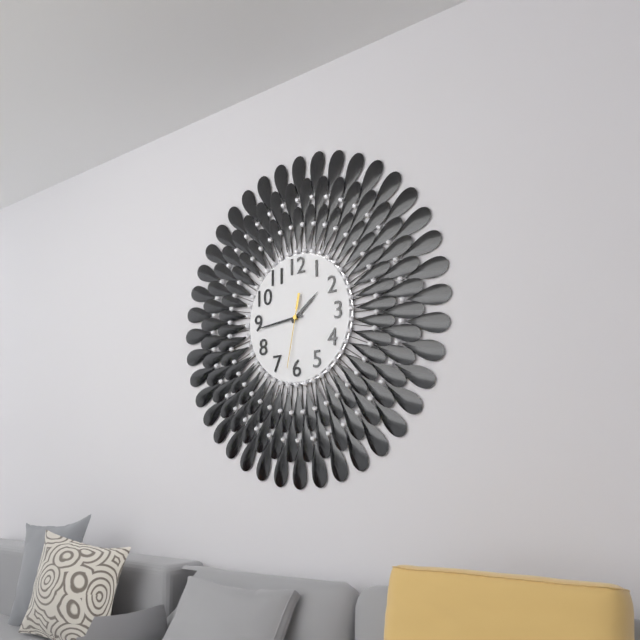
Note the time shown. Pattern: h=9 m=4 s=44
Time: h=1 m=44 s=32
